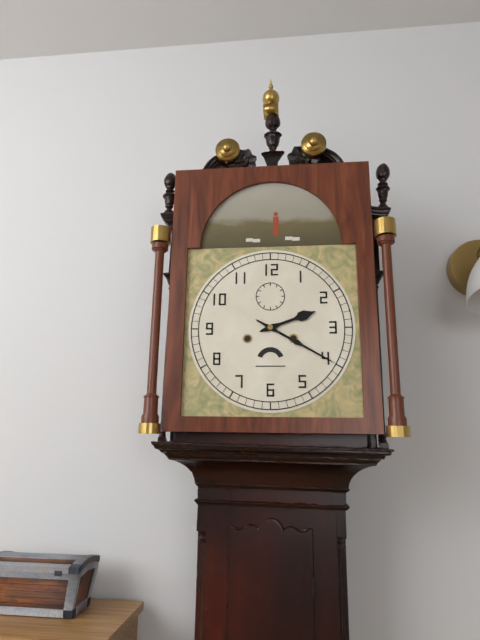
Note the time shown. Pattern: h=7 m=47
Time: h=2 m=20
